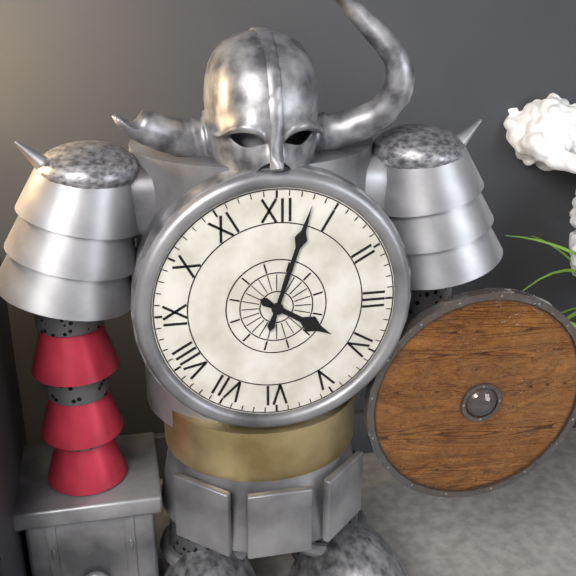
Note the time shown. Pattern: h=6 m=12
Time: h=4 m=3
